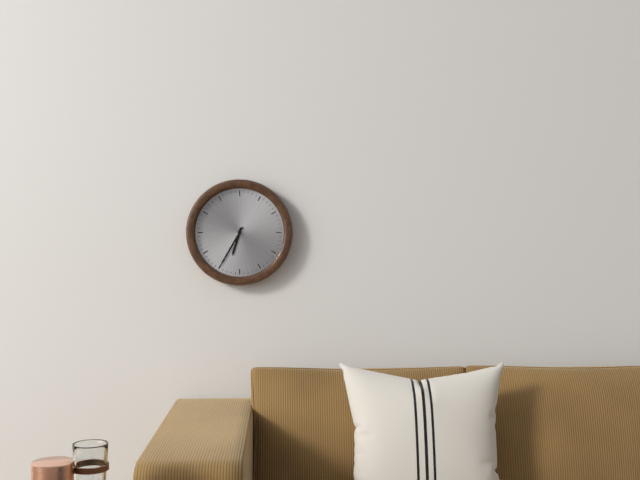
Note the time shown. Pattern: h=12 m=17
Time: h=6 m=35
